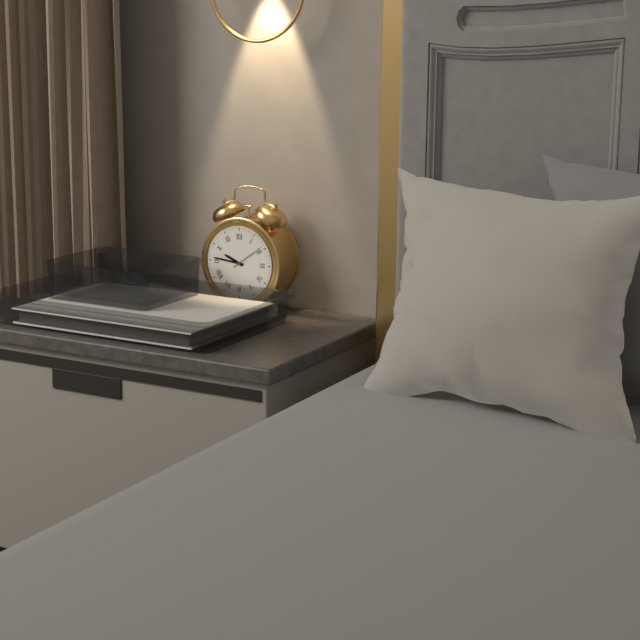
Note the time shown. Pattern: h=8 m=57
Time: h=9 m=46
